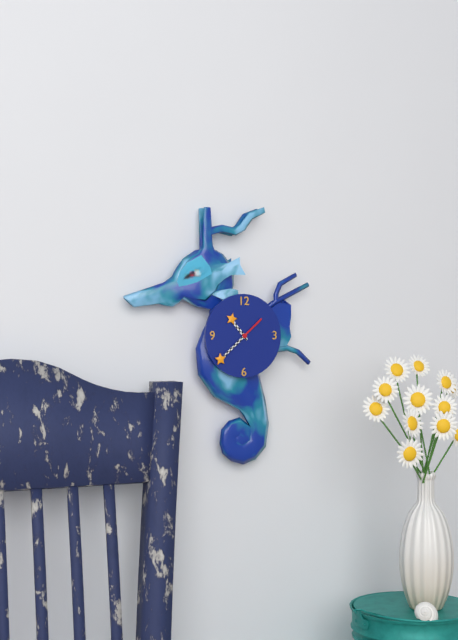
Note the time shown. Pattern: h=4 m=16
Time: h=10 m=38
